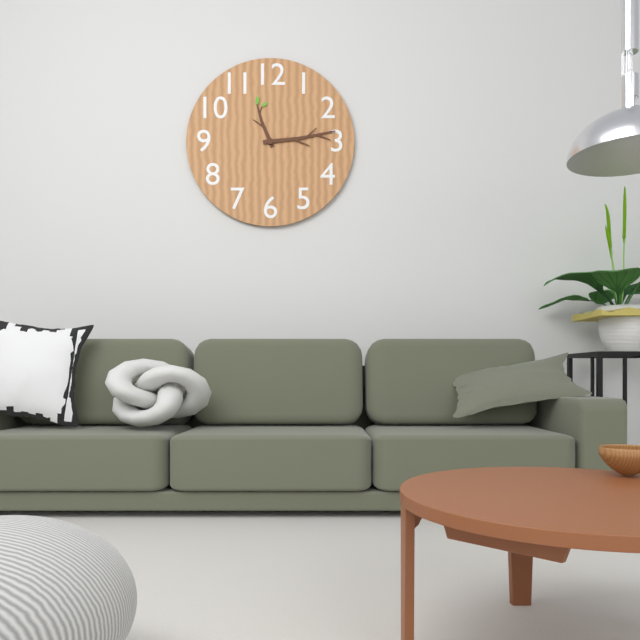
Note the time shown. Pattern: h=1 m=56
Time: h=11 m=14
